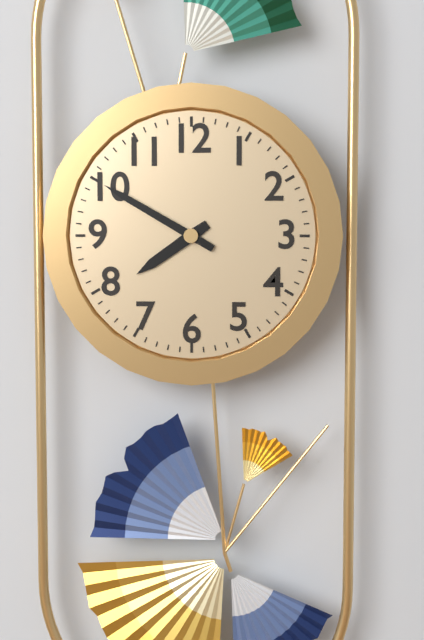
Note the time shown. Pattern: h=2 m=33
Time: h=7 m=50
